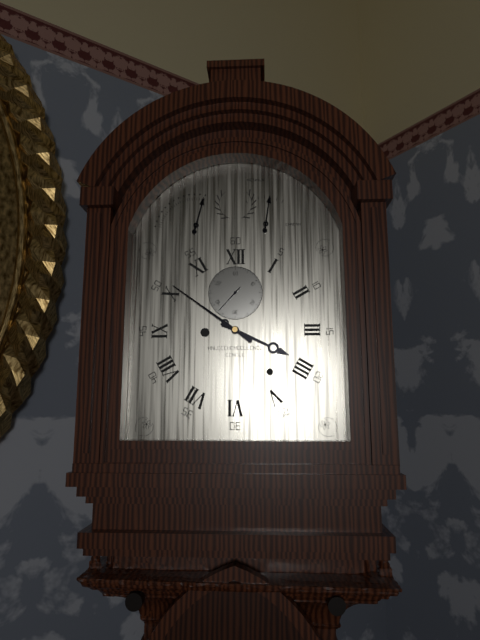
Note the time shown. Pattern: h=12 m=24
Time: h=3 m=51
